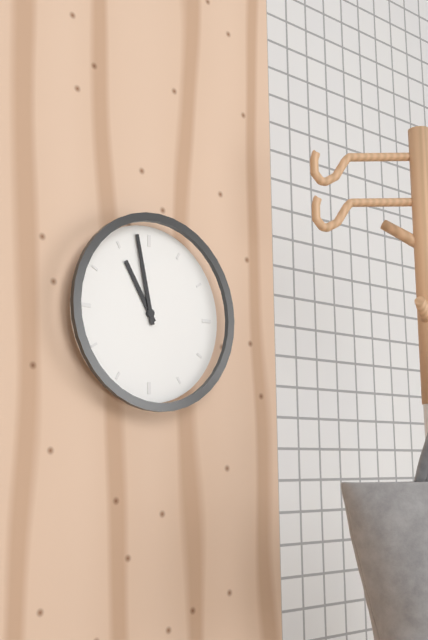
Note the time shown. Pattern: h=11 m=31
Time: h=10 m=58
